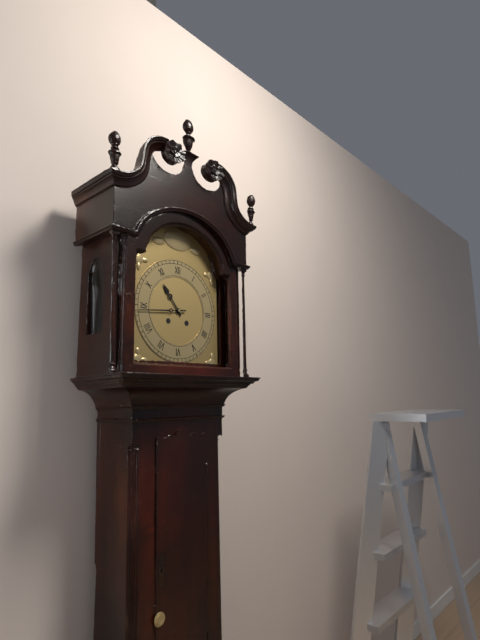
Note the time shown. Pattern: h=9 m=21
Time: h=10 m=44
